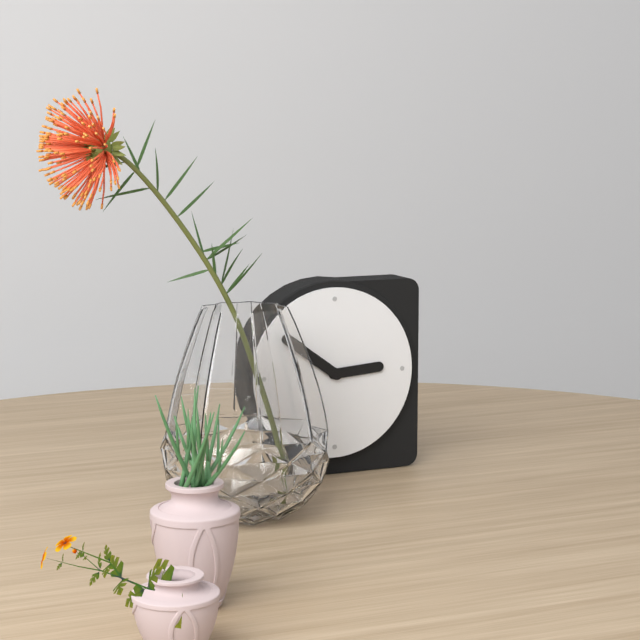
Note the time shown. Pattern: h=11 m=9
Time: h=2 m=51
